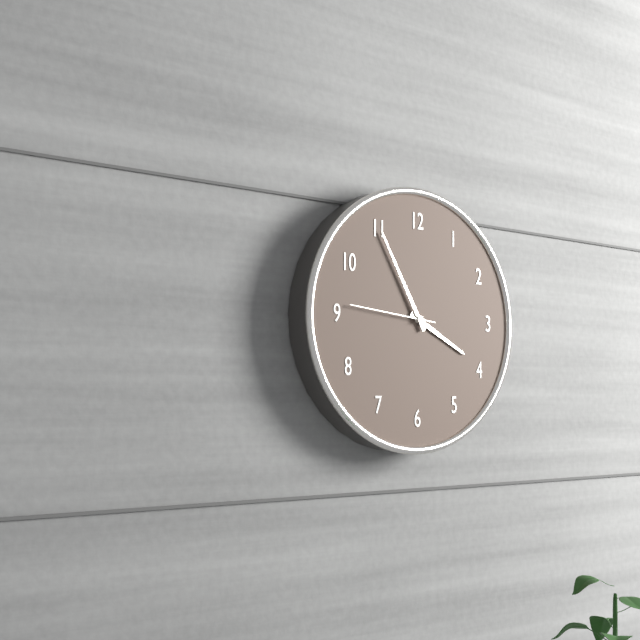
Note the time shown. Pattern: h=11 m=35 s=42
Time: h=3 m=55 s=46
